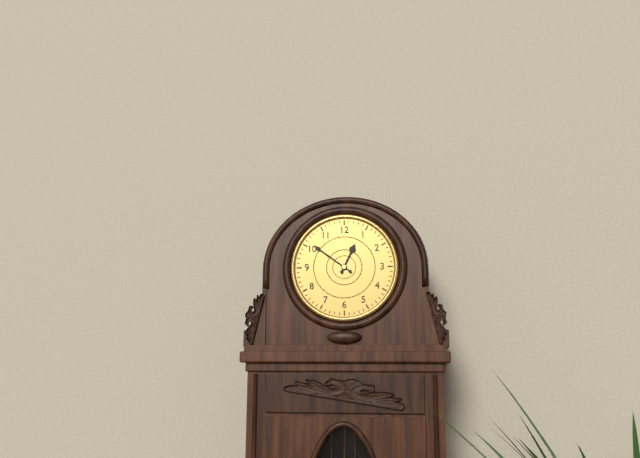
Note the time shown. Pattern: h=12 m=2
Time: h=12 m=51
